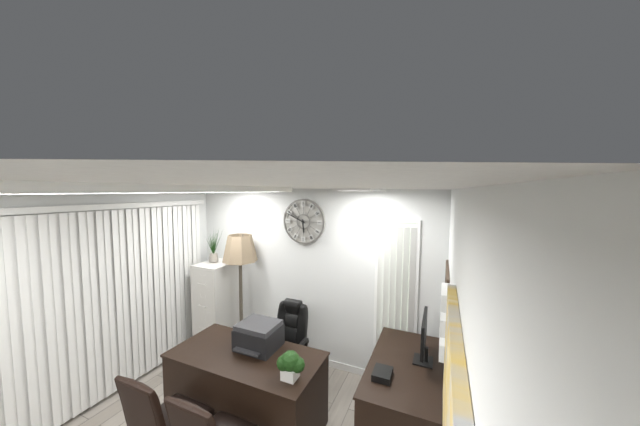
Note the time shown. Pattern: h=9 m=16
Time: h=5 m=49
